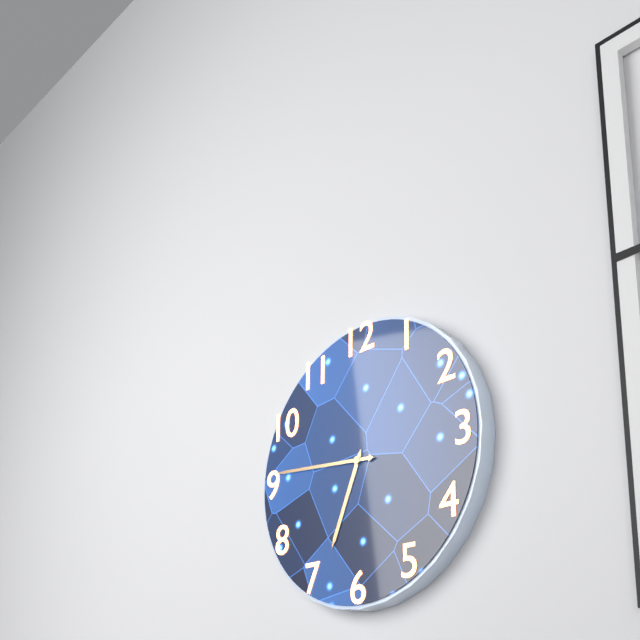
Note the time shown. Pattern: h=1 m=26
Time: h=6 m=46
